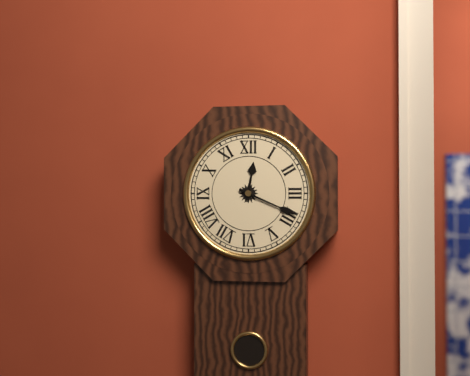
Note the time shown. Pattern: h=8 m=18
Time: h=12 m=19
